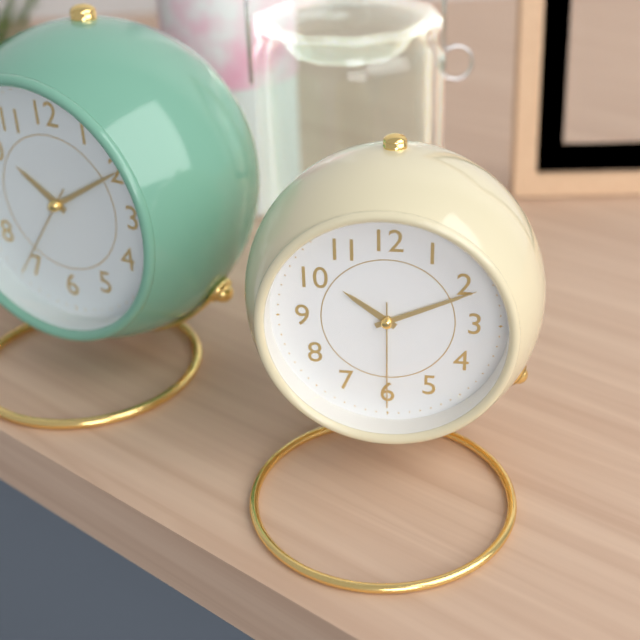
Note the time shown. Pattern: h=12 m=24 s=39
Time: h=10 m=11 s=30
